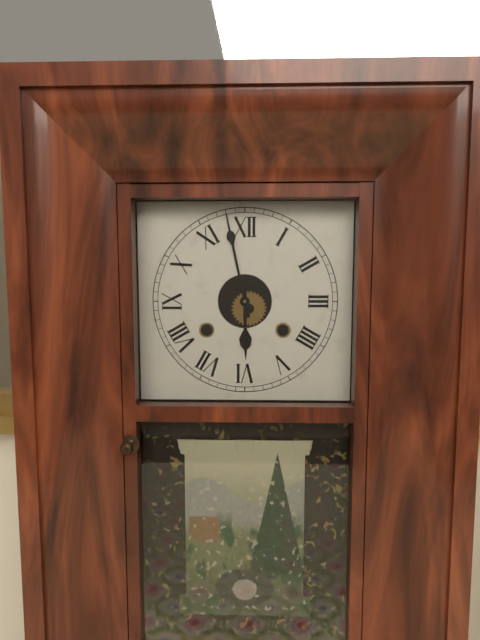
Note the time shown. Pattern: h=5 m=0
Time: h=5 m=58
